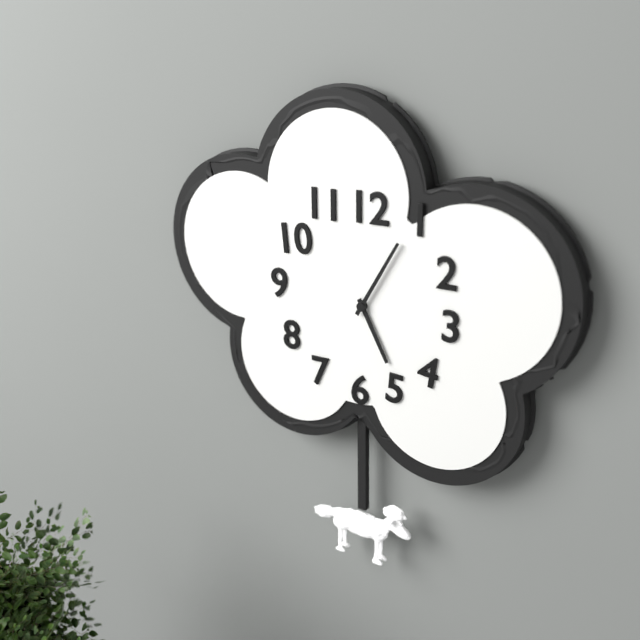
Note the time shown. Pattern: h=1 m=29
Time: h=5 m=5
